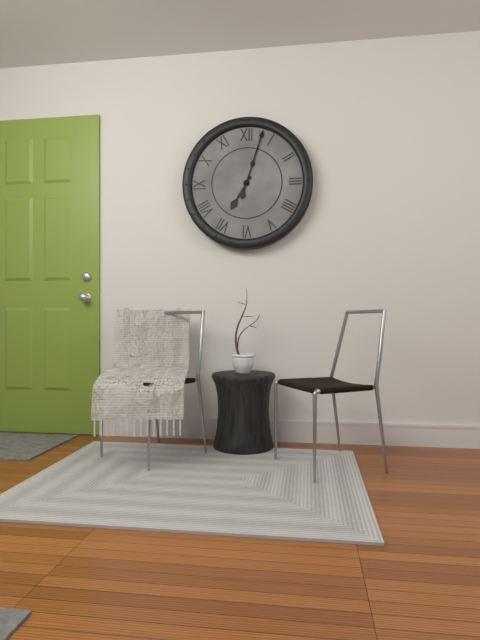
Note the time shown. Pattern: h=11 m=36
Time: h=7 m=3
